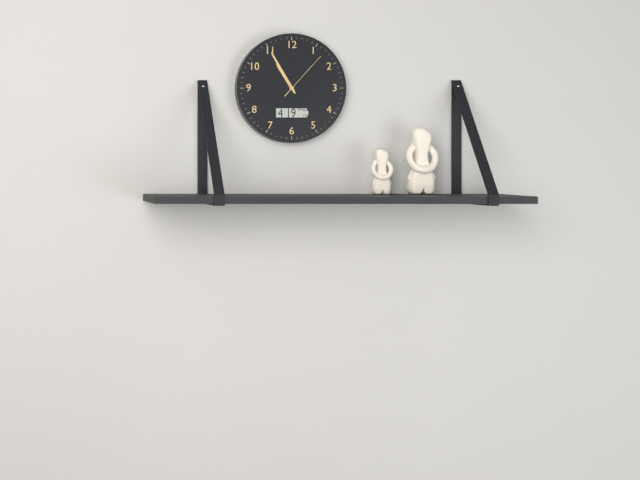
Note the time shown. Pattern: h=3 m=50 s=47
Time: h=10 m=55 s=7
